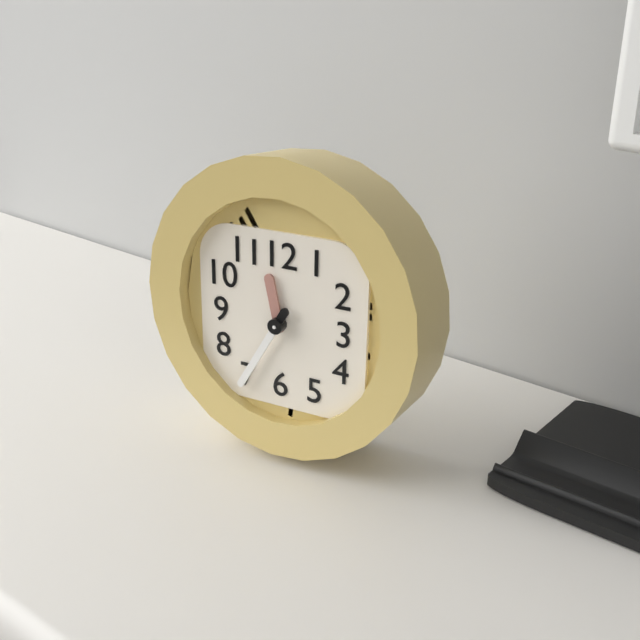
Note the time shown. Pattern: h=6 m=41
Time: h=11 m=35
